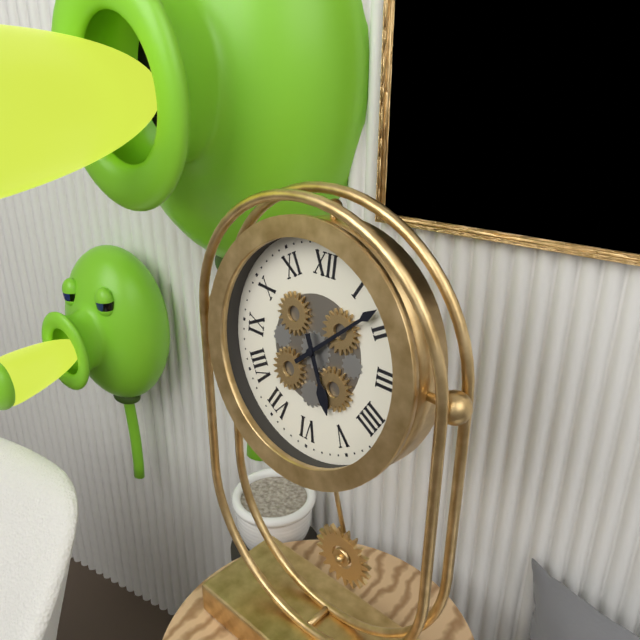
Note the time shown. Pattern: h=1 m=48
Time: h=5 m=8
